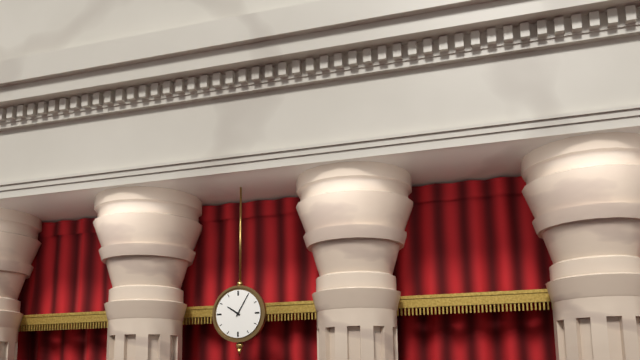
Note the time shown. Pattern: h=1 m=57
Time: h=10 m=5
